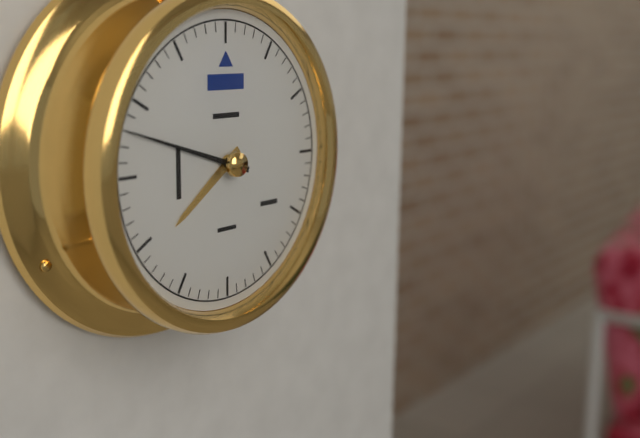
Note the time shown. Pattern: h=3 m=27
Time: h=7 m=48
